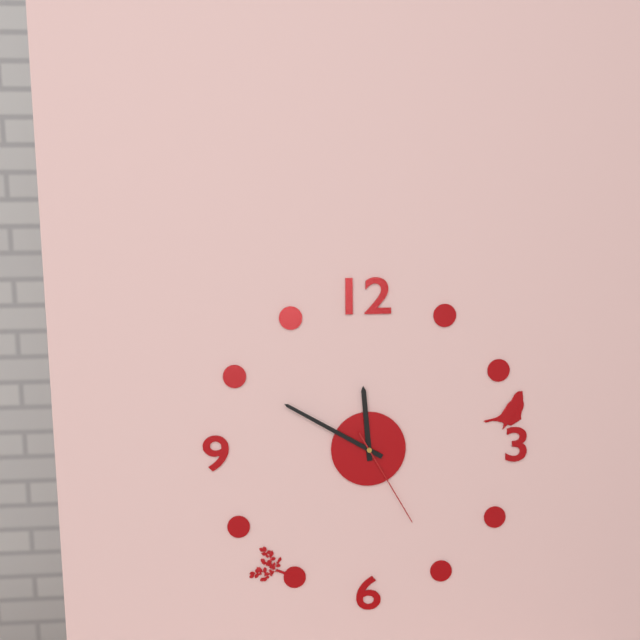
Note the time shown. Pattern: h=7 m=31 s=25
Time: h=11 m=50 s=25
